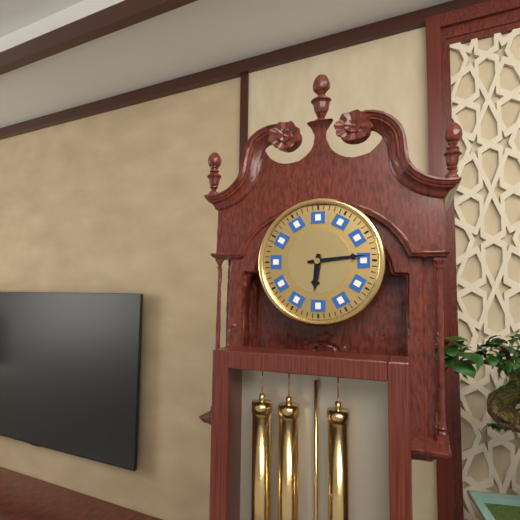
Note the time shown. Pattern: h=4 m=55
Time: h=6 m=14
